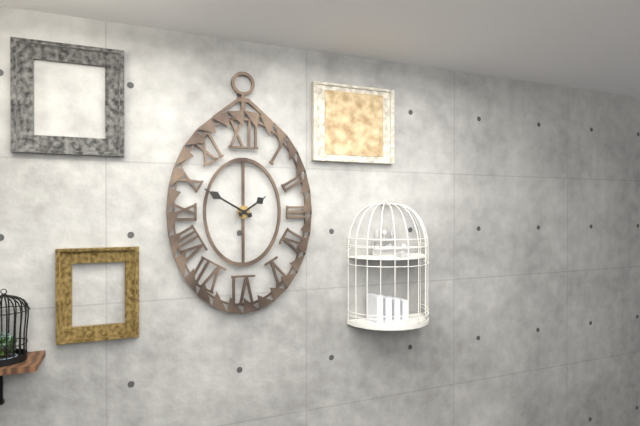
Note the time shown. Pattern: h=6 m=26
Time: h=1 m=50
